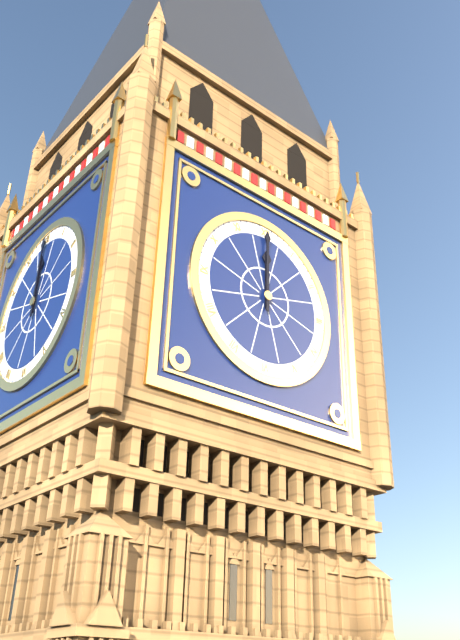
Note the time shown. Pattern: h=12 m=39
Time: h=12 m=0
